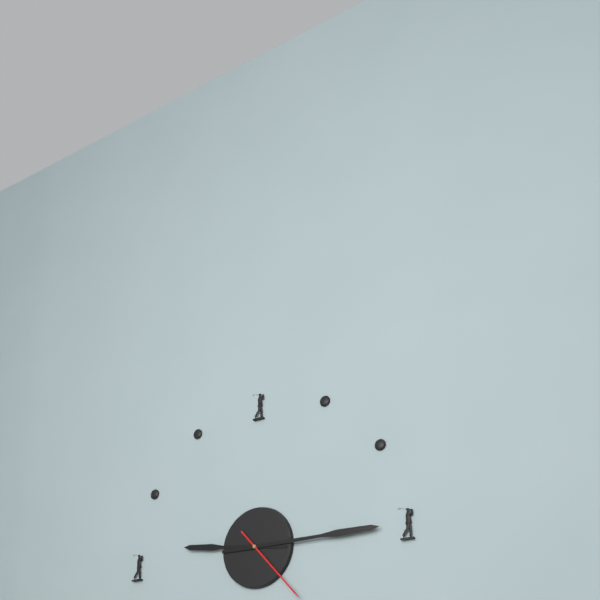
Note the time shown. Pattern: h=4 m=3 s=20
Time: h=9 m=15 s=23
